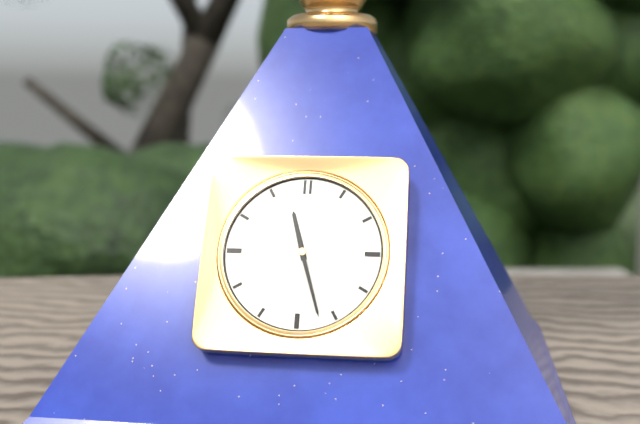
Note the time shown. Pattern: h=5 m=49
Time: h=11 m=27
